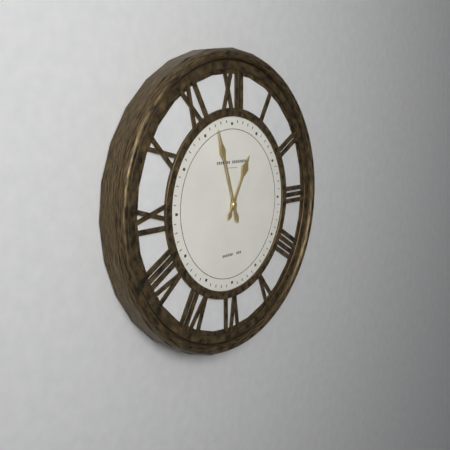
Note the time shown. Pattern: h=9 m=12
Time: h=12 m=57
